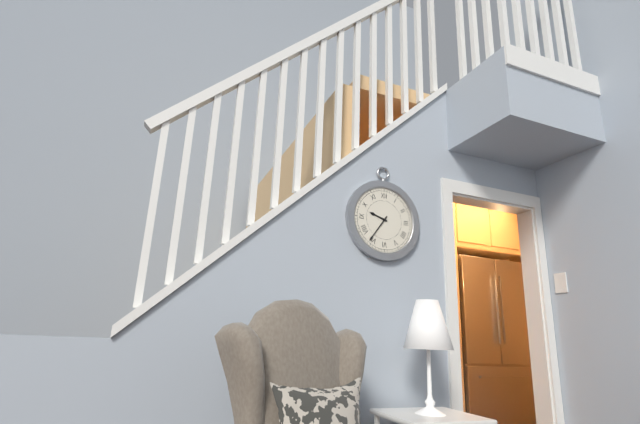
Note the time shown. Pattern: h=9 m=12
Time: h=9 m=36
